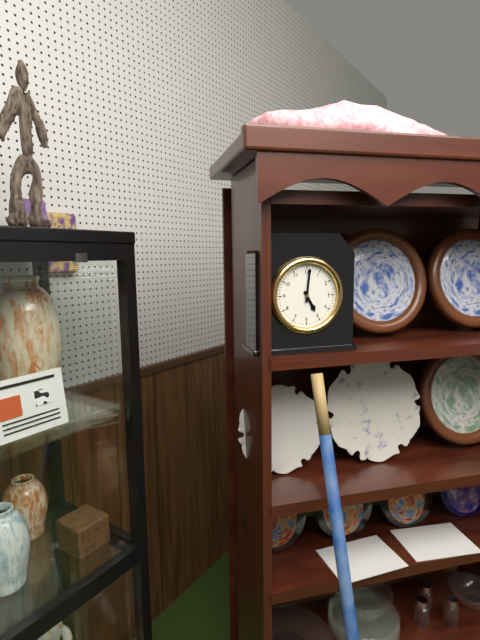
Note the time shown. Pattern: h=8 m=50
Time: h=5 m=1
